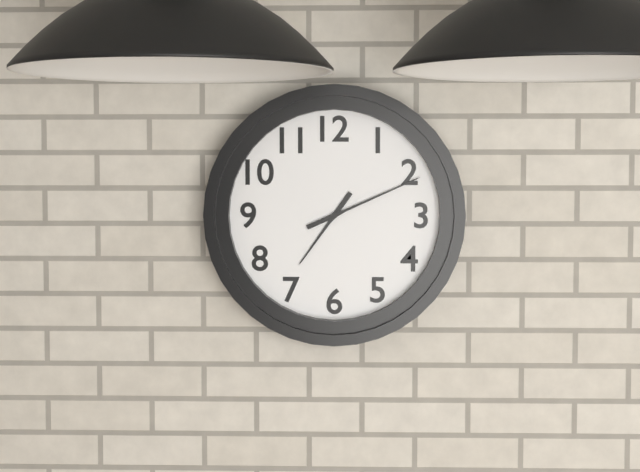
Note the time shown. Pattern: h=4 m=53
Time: h=7 m=11
